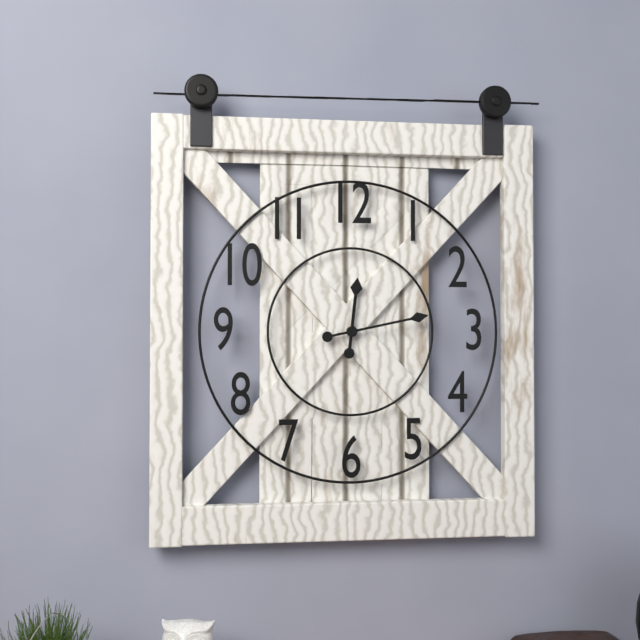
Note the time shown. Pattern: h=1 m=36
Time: h=12 m=13
